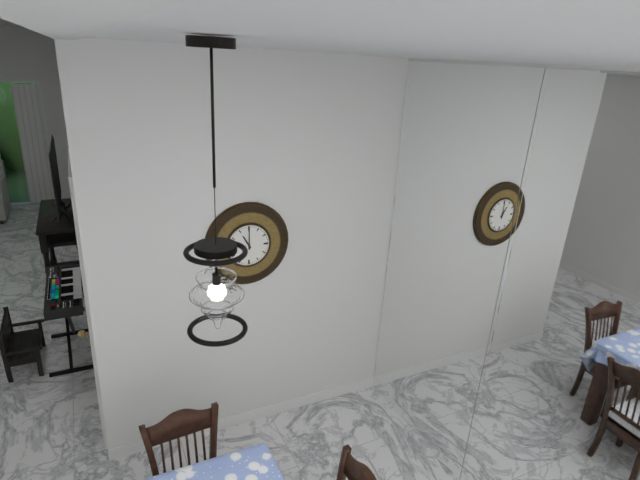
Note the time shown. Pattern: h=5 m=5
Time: h=11 m=0
